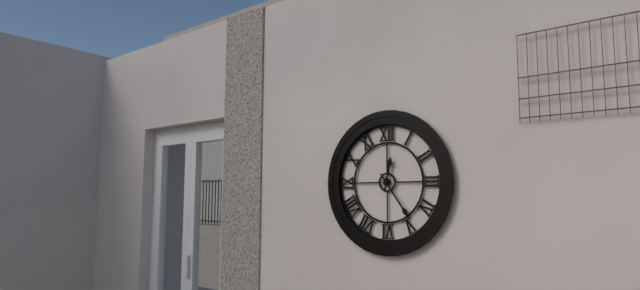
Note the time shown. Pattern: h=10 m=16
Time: h=12 m=24
